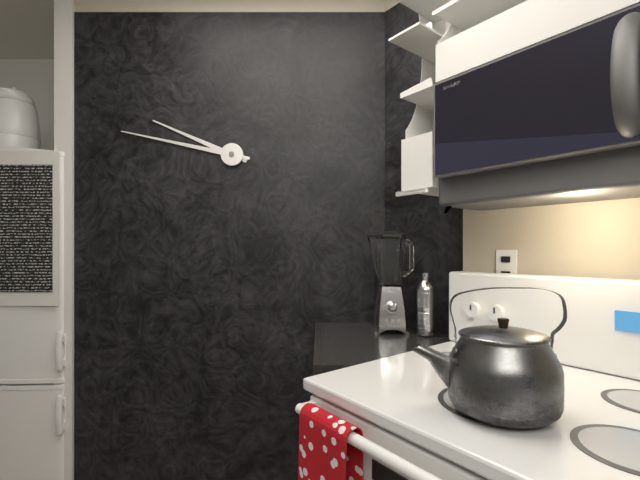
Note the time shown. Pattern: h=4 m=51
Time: h=9 m=47
